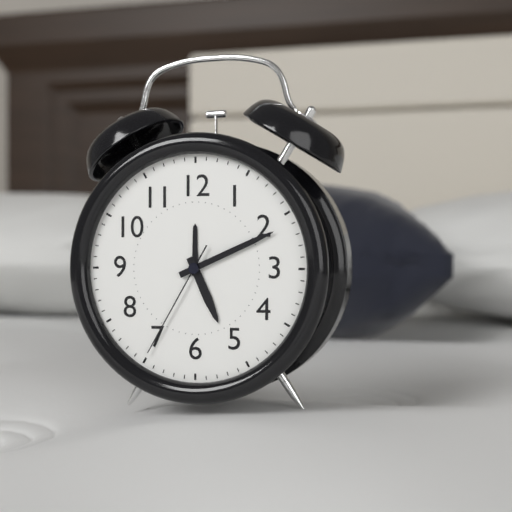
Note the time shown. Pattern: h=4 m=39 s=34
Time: h=5 m=11 s=35
